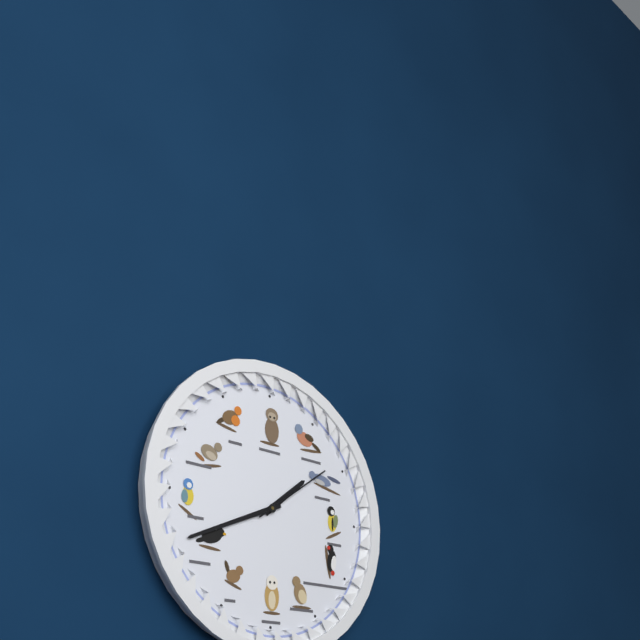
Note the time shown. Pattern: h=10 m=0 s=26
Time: h=1 m=41 s=9
